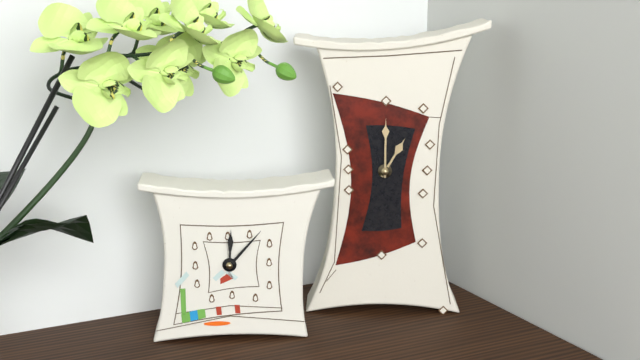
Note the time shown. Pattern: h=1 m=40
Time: h=1 m=0
